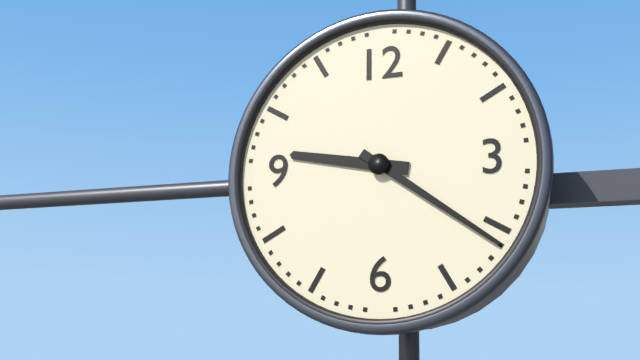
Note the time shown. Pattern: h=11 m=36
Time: h=9 m=21
